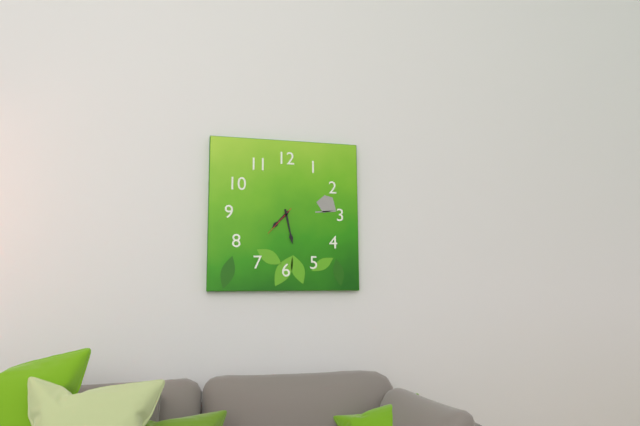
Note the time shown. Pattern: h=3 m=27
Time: h=7 m=28
